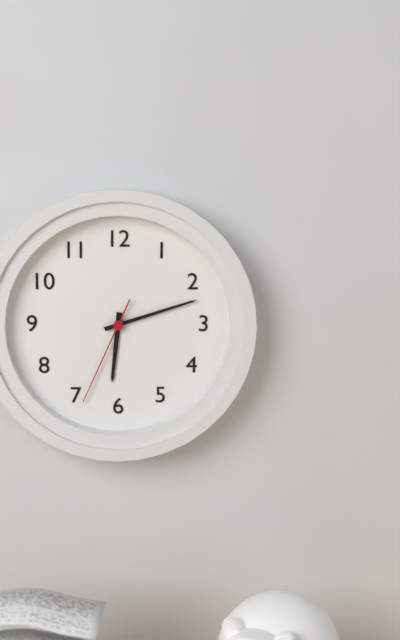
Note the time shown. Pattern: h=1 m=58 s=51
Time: h=6 m=12 s=34
